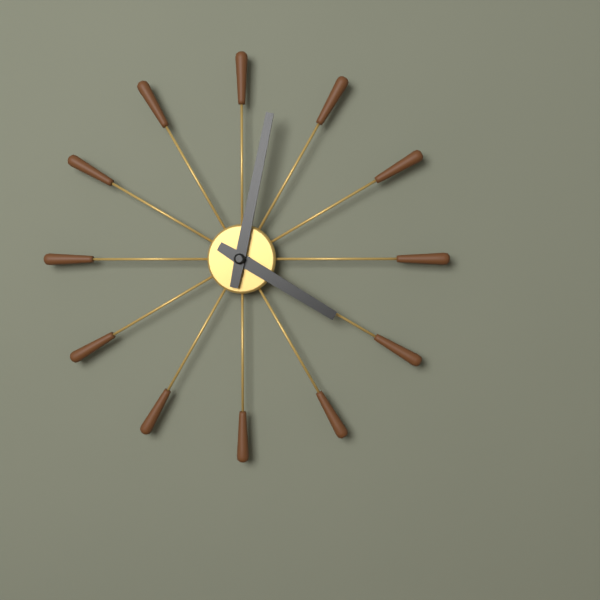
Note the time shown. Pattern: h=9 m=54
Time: h=4 m=2
